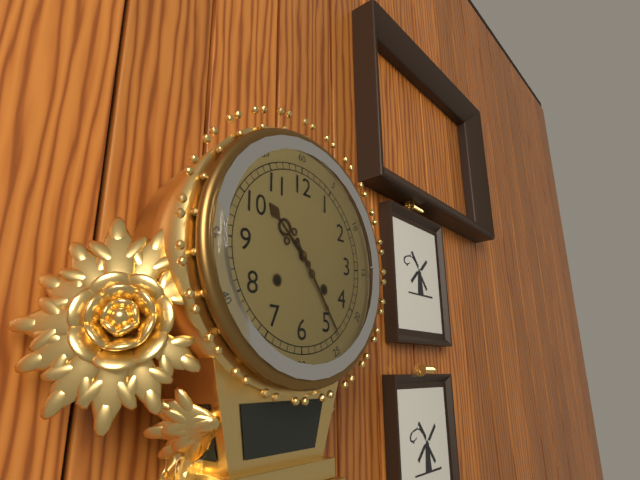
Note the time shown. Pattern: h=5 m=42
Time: h=10 m=24
